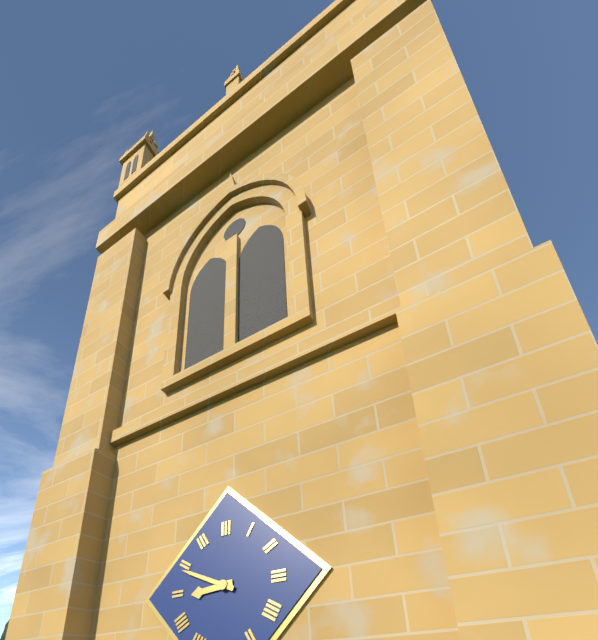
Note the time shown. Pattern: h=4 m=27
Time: h=8 m=49
